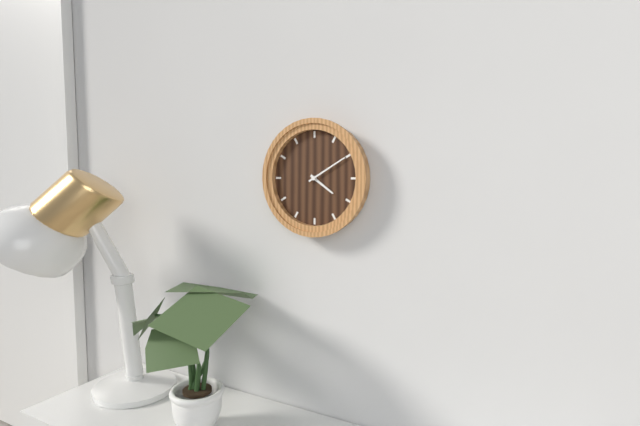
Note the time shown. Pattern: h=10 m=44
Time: h=4 m=10
